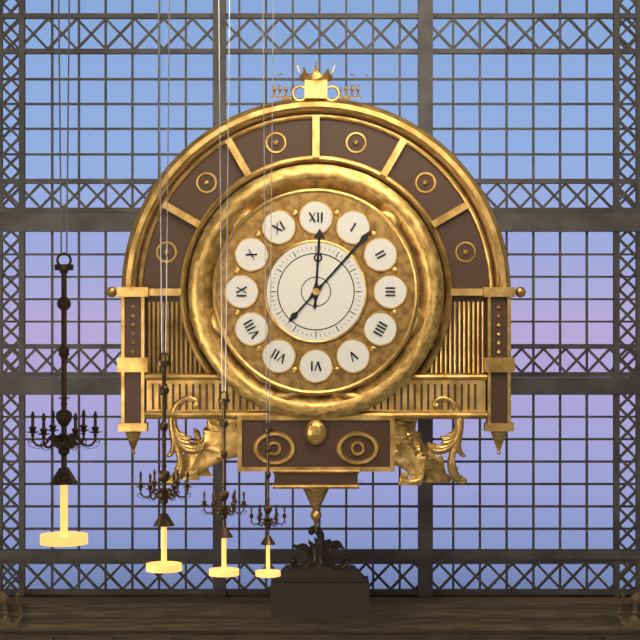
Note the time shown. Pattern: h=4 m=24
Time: h=12 m=7
